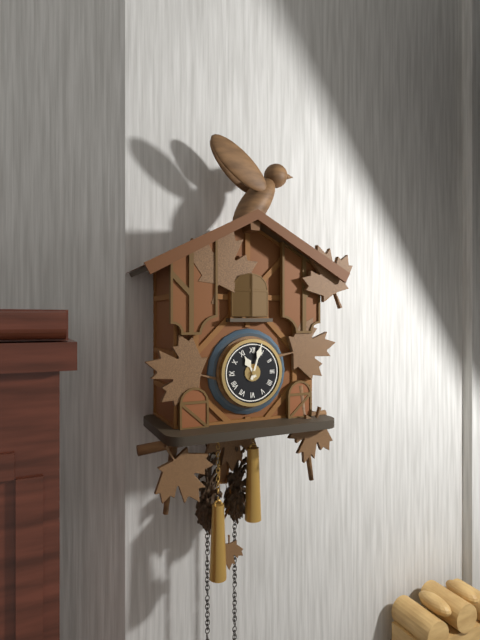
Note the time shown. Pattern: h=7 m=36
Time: h=11 m=3
